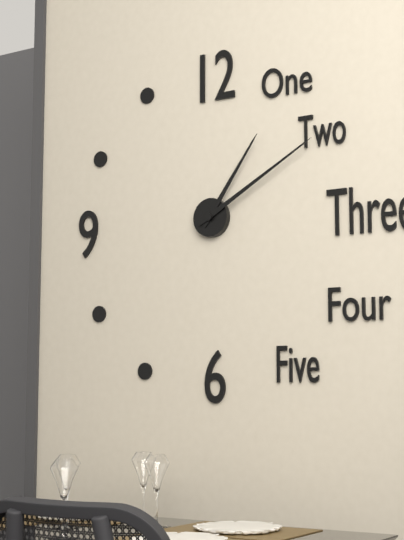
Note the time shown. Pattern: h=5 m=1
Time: h=1 m=10
